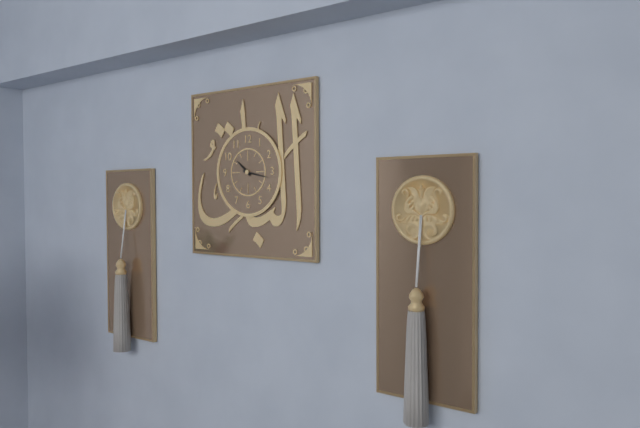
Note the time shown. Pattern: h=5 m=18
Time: h=10 m=17
